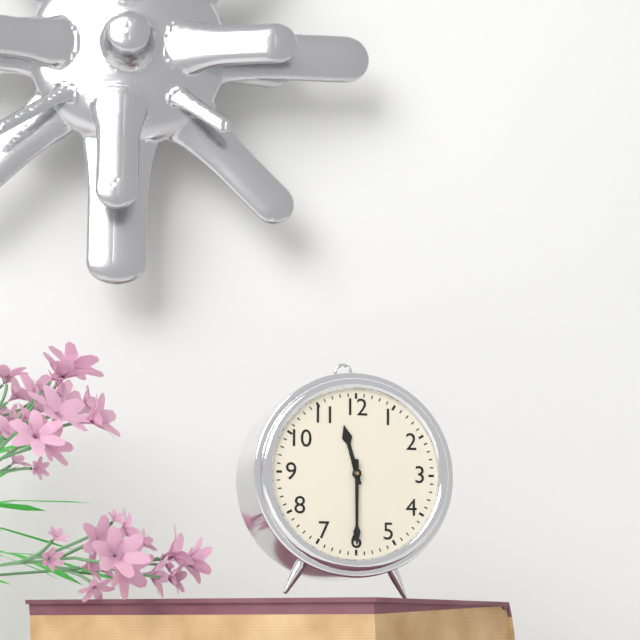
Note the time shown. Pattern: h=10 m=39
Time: h=11 m=30
